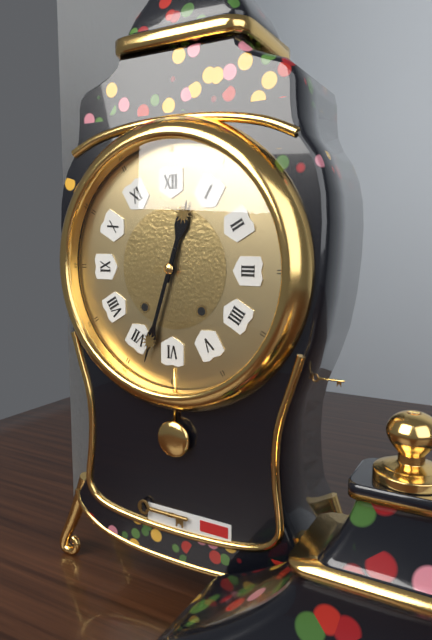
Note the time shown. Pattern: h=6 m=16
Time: h=12 m=33
